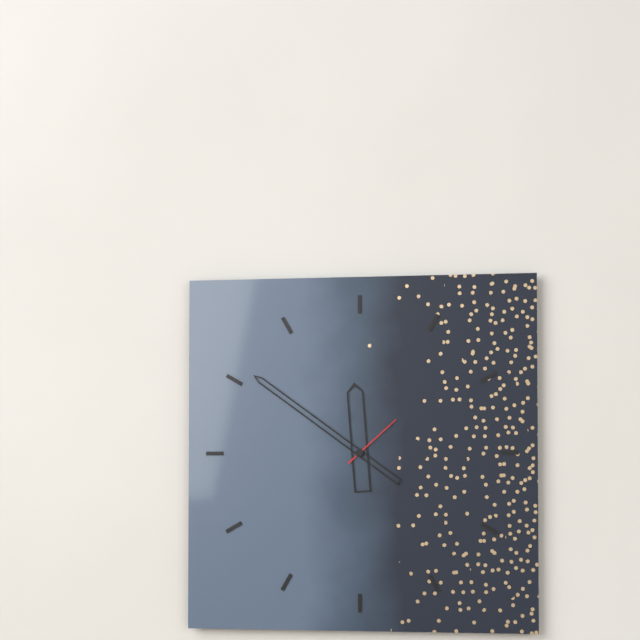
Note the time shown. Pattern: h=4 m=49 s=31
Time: h=11 m=51 s=8
